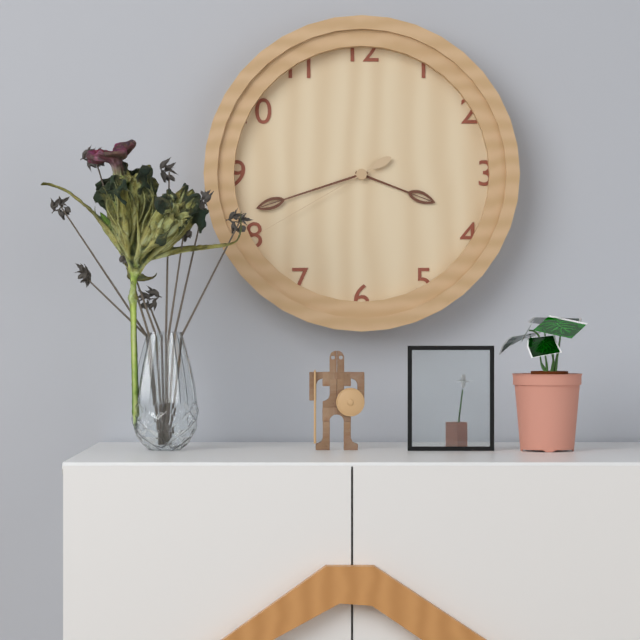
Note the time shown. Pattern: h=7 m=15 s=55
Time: h=3 m=42 s=40
